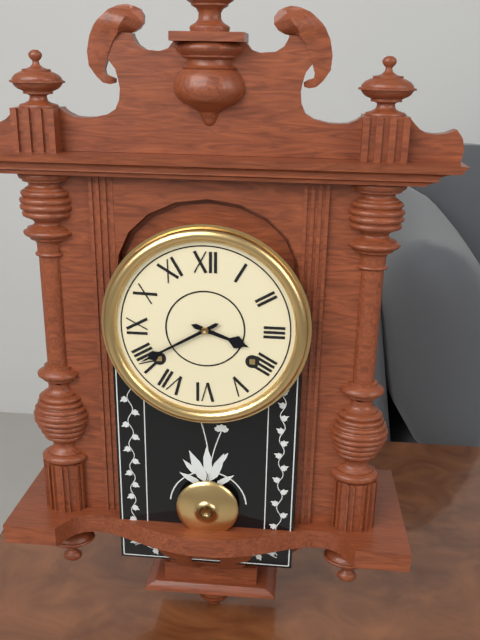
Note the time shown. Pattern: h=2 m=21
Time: h=3 m=40
